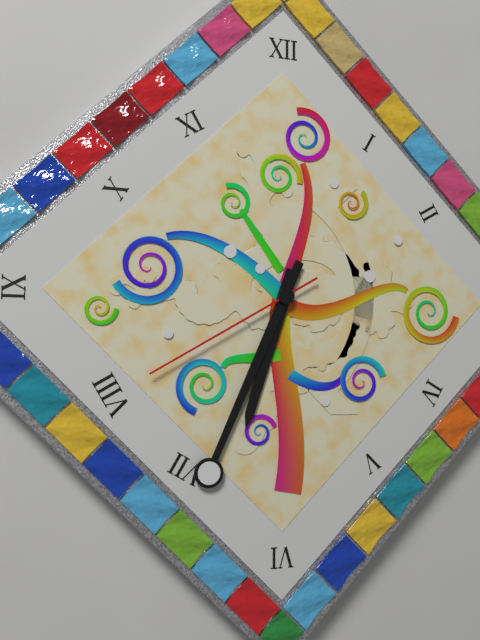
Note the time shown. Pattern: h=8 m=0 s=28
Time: h=6 m=34 s=40
